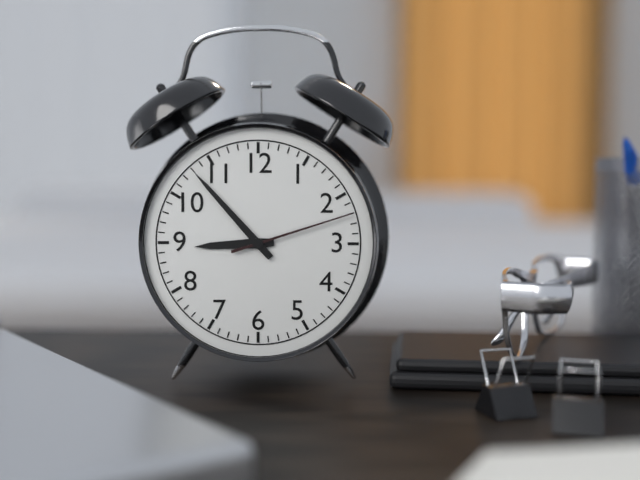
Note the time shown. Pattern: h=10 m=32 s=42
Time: h=8 m=53 s=12
